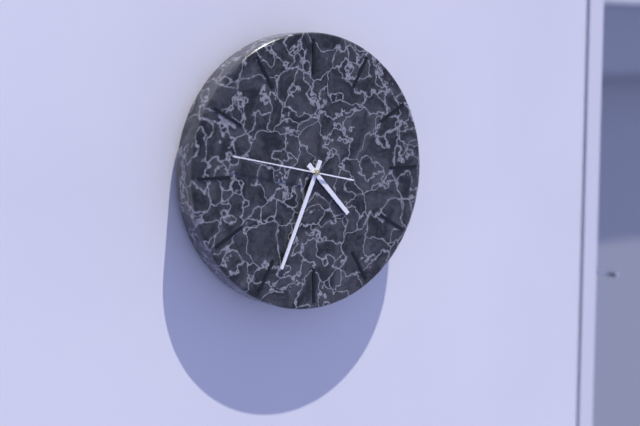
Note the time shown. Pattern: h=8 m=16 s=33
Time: h=4 m=34 s=47
